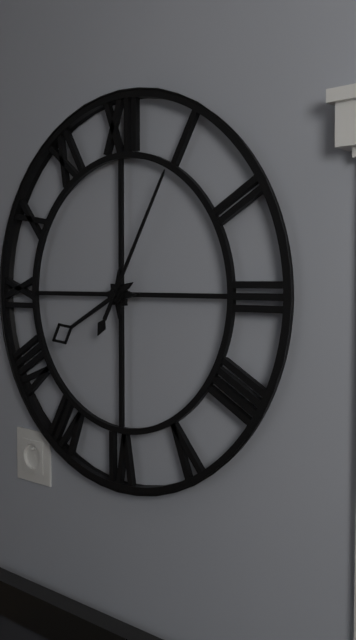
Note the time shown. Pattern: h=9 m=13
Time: h=8 m=5
